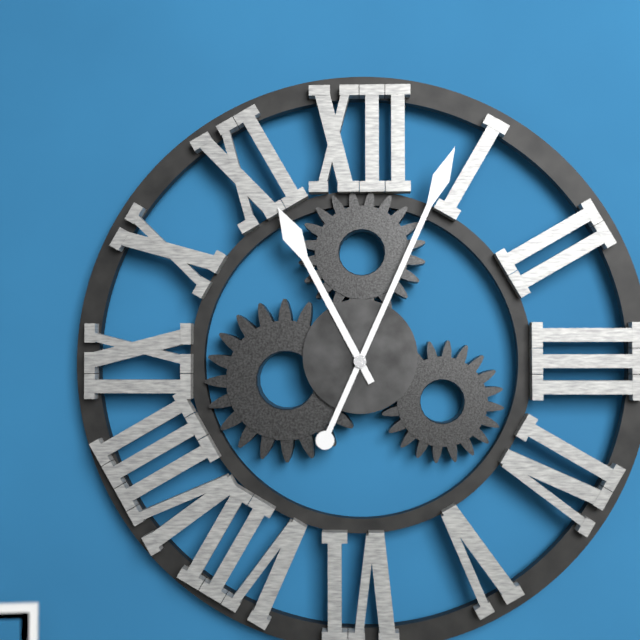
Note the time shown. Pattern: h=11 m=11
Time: h=11 m=4
